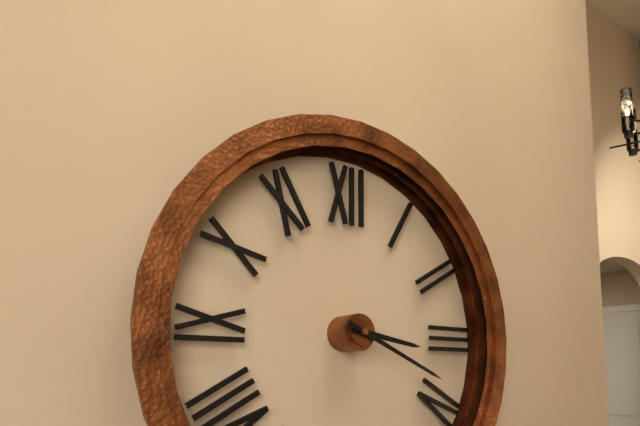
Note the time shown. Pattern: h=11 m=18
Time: h=3 m=19
